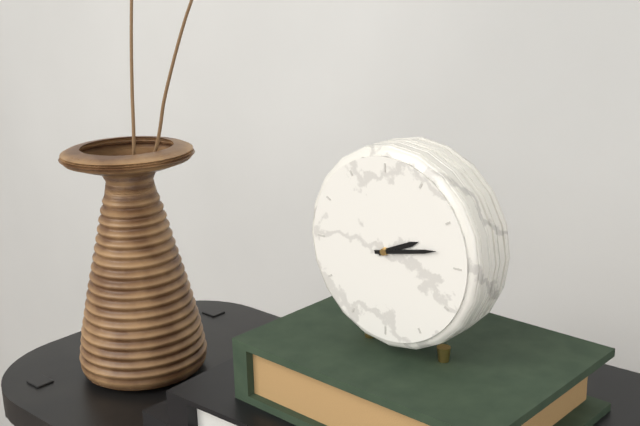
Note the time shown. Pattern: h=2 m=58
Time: h=2 m=13
